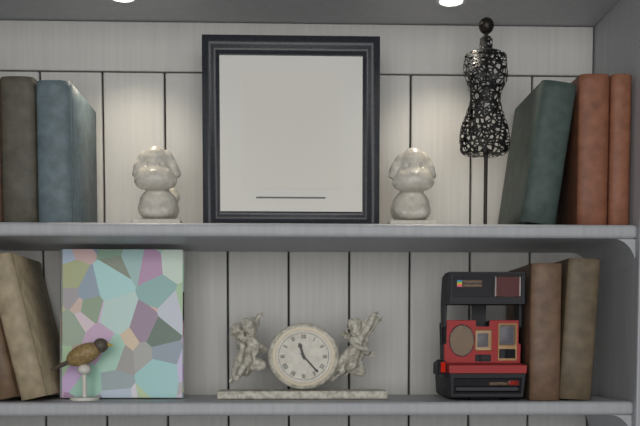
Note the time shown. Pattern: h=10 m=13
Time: h=11 m=23
